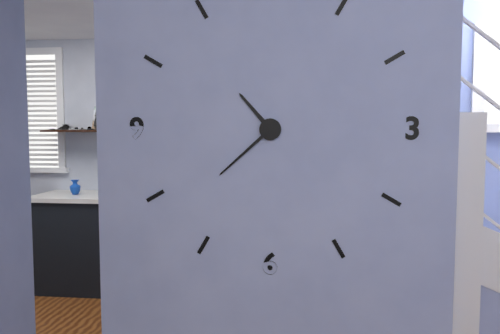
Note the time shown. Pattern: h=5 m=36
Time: h=10 m=38
